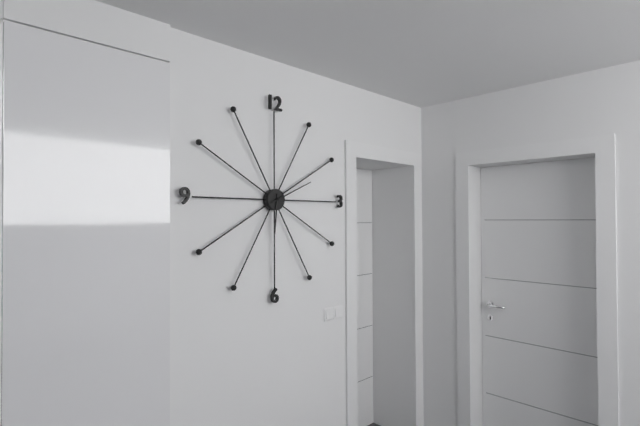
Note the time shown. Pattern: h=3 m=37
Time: h=6 m=11
